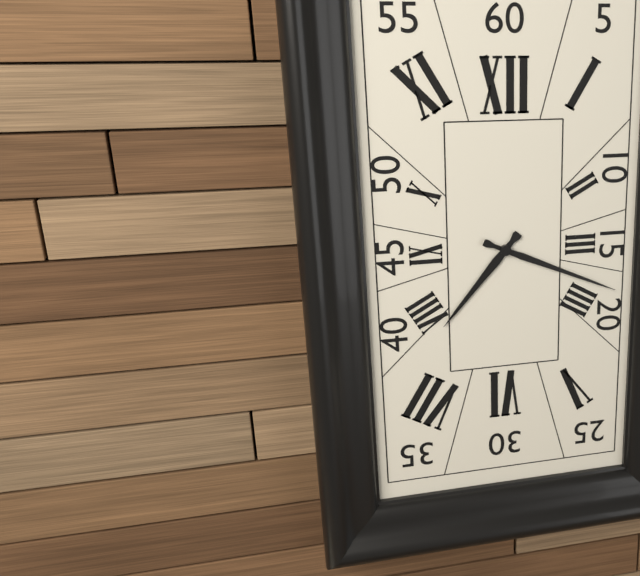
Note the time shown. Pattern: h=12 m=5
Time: h=7 m=19
